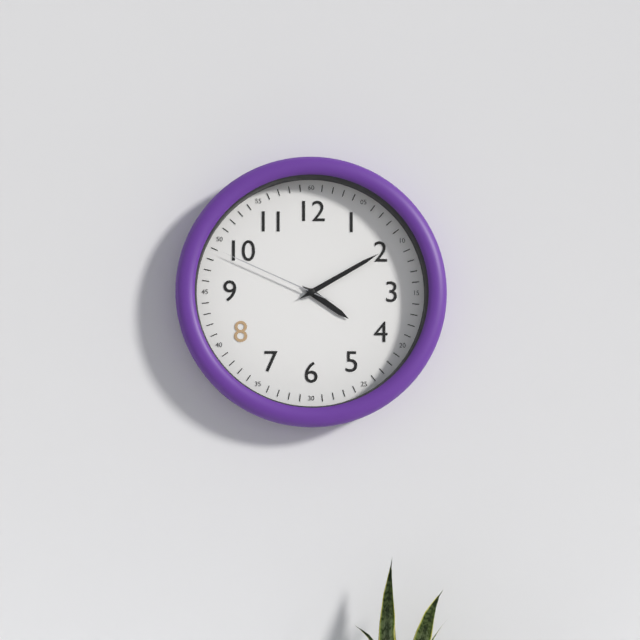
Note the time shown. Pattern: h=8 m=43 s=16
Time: h=4 m=10 s=49
